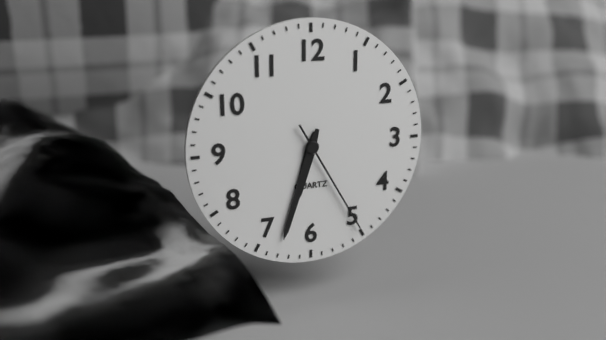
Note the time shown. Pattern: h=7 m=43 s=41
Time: h=6 m=33 s=25
